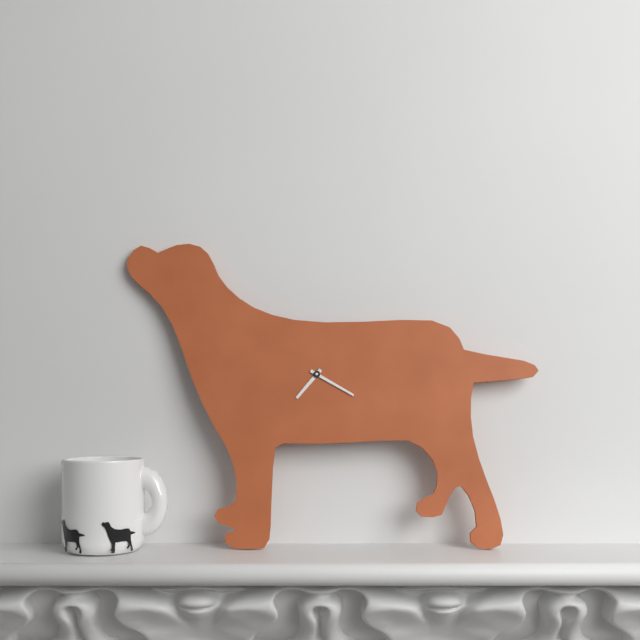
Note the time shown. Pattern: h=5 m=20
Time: h=7 m=20
